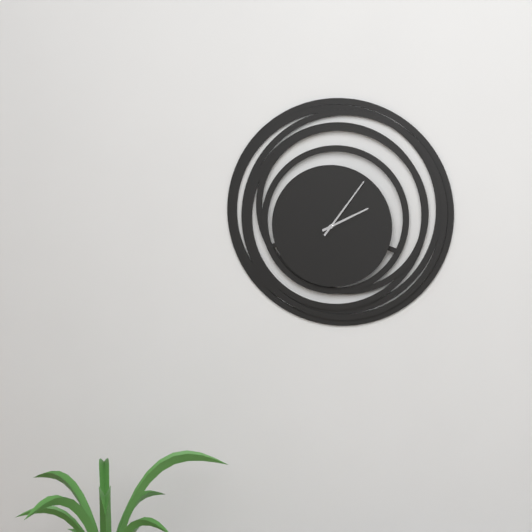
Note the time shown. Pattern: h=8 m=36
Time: h=2 m=6
